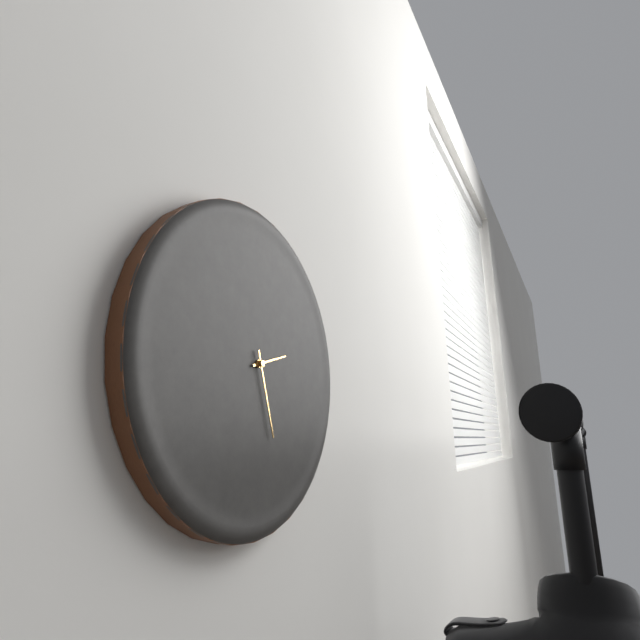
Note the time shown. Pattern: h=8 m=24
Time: h=2 m=27
